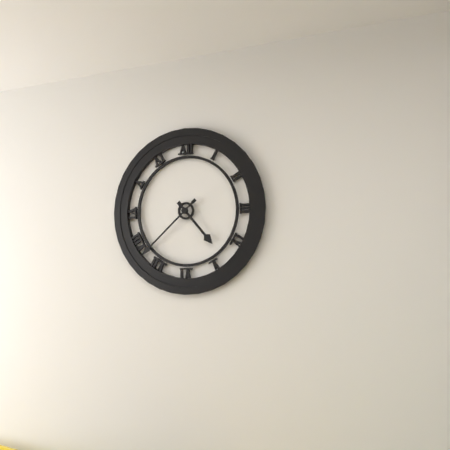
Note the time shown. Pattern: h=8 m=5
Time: h=4 m=38
